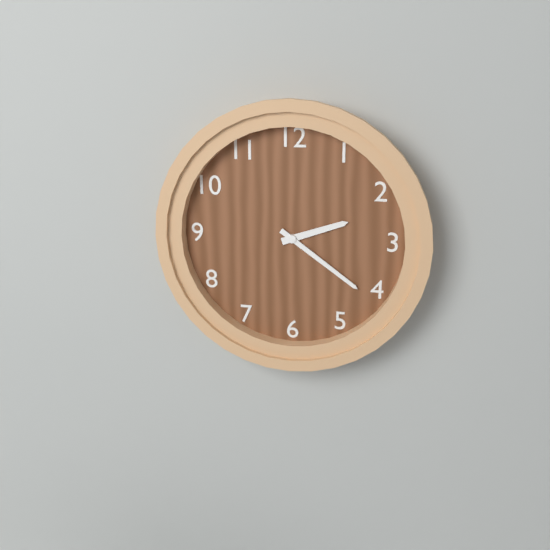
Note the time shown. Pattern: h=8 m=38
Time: h=2 m=21
